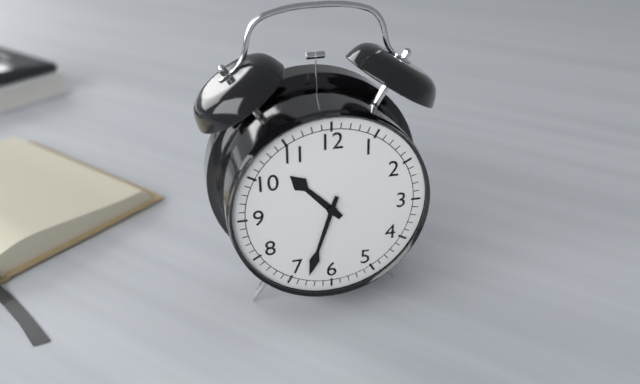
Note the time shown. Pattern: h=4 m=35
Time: h=10 m=33
